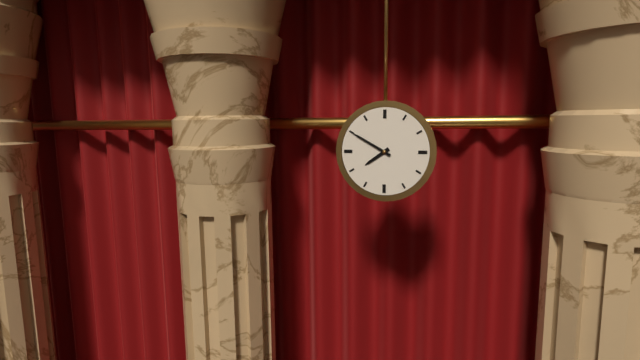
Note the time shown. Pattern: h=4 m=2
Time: h=7 m=50
